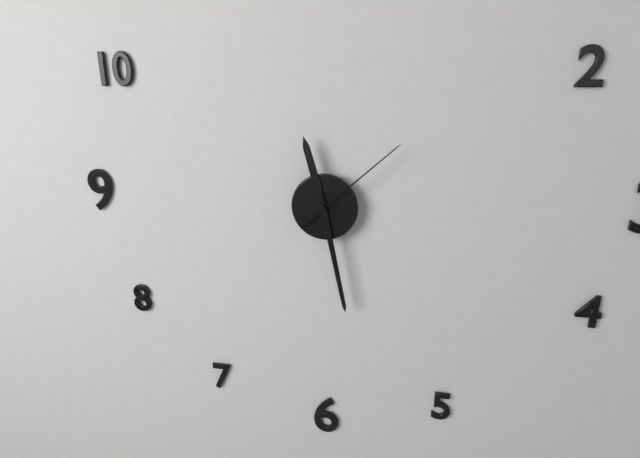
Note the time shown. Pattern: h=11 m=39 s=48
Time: h=11 m=28 s=8
